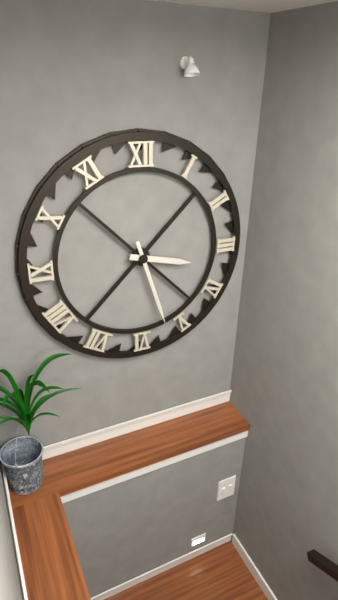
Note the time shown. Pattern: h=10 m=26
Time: h=3 m=27
